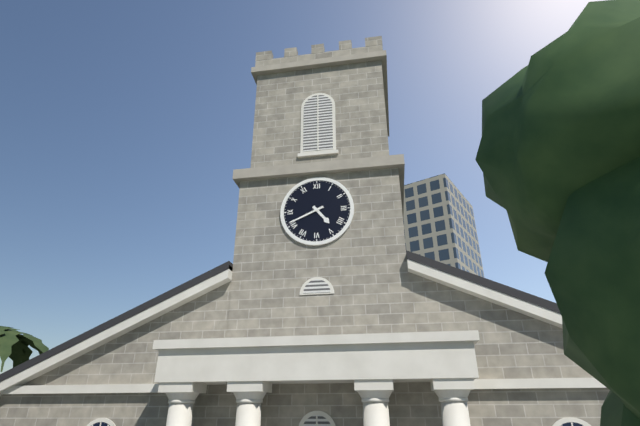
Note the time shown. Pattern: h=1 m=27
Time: h=4 m=41
